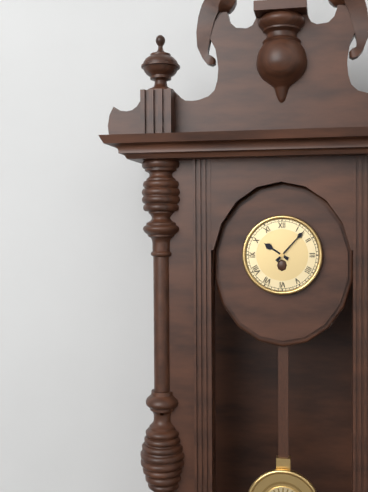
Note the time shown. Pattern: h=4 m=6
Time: h=10 m=7
